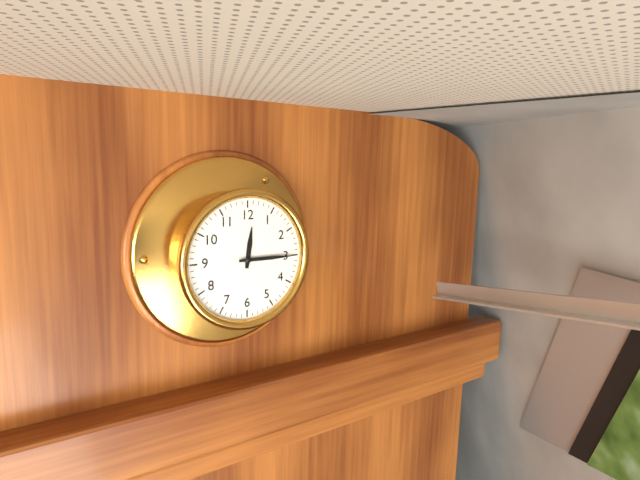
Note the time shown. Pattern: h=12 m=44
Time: h=12 m=15
